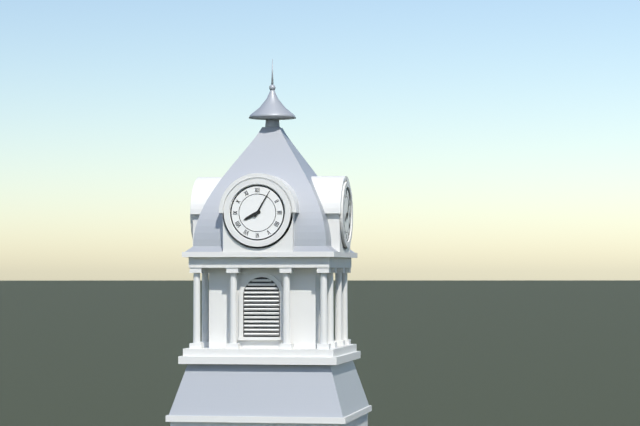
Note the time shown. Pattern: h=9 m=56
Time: h=8 m=5
